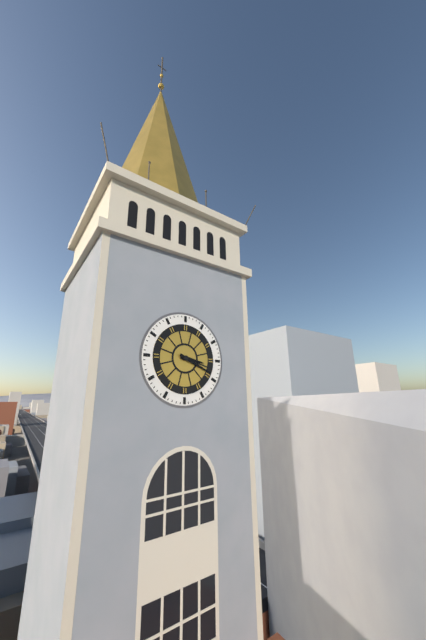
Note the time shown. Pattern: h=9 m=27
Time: h=3 m=19
